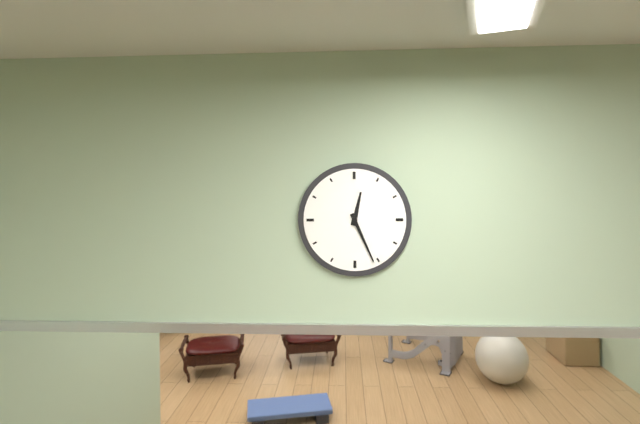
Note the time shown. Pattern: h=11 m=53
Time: h=12 m=26
